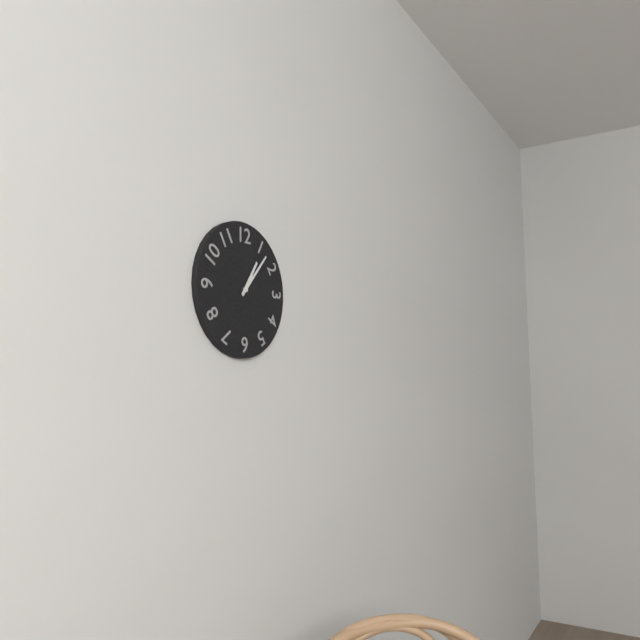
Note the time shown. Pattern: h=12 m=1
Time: h=1 m=7
